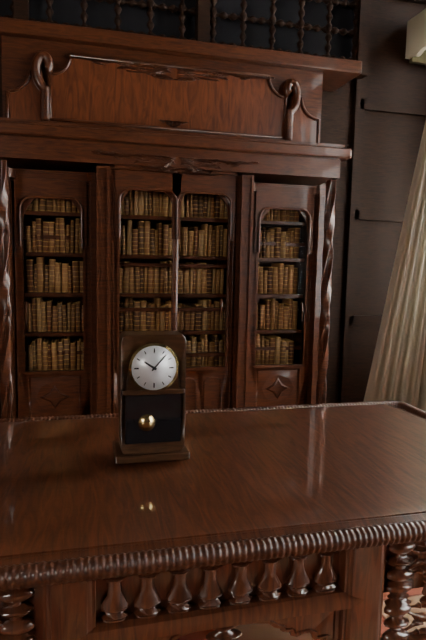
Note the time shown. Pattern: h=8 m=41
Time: h=10 m=7
